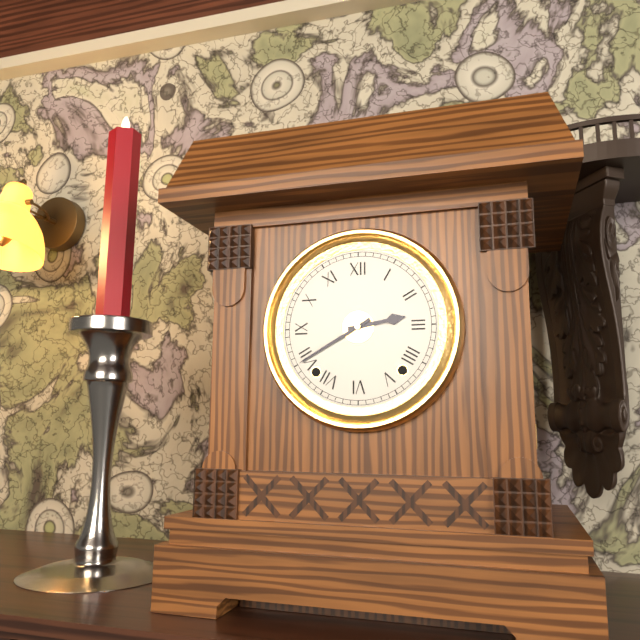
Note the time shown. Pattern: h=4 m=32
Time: h=2 m=40
